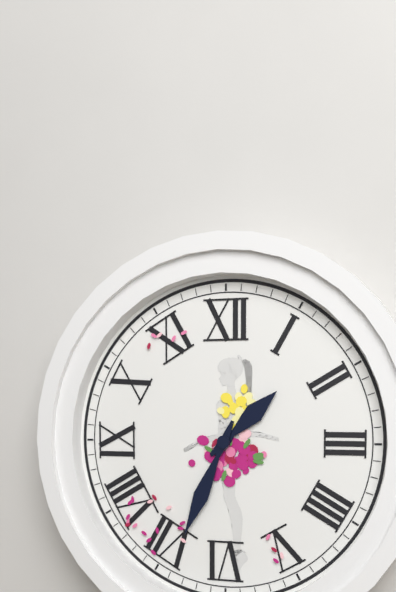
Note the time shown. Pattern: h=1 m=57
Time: h=1 m=34
